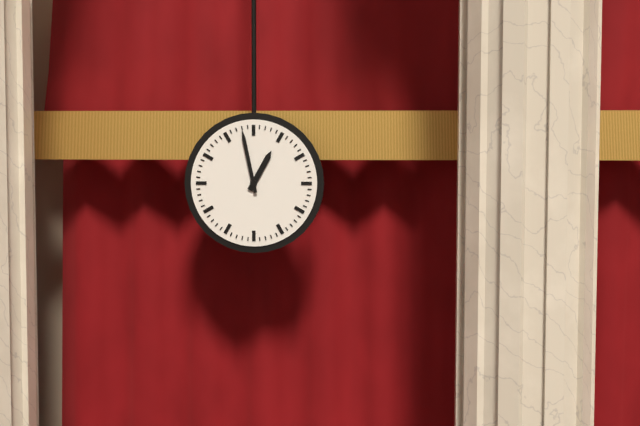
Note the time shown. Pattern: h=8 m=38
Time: h=12 m=58
